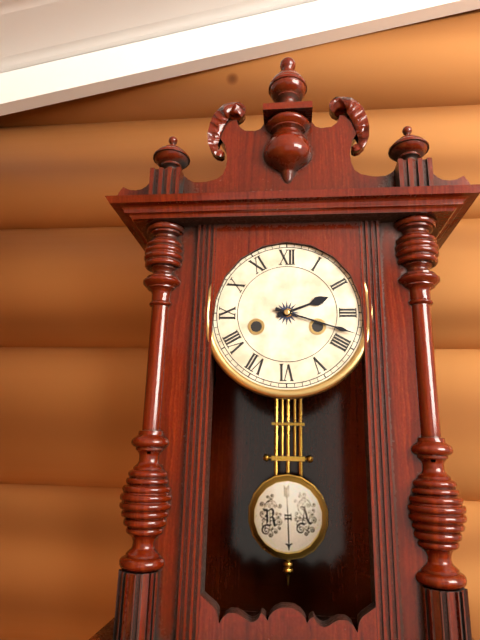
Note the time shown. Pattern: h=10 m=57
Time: h=2 m=18
